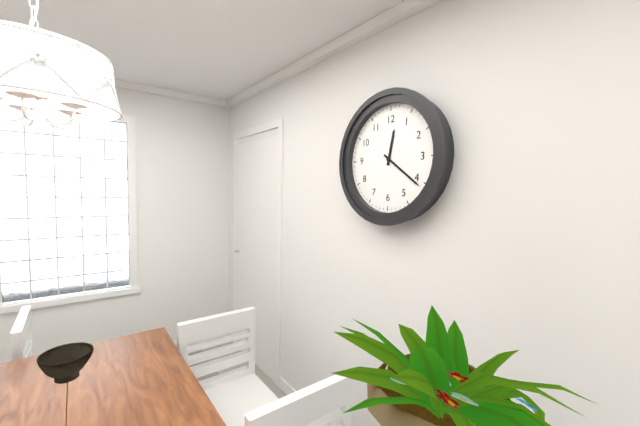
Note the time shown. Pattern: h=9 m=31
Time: h=12 m=21
